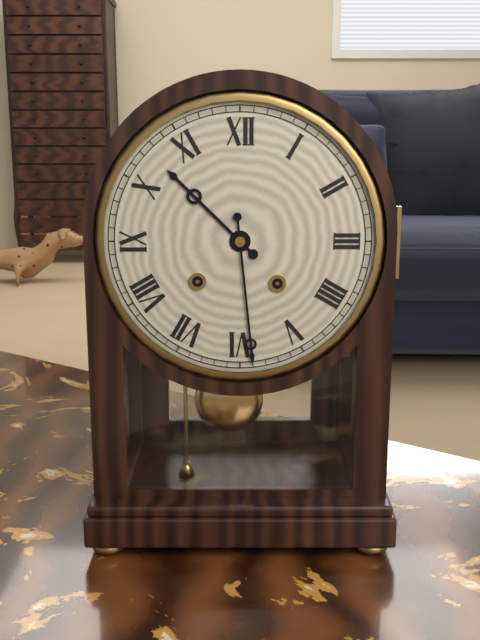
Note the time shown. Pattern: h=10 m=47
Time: h=10 m=29
